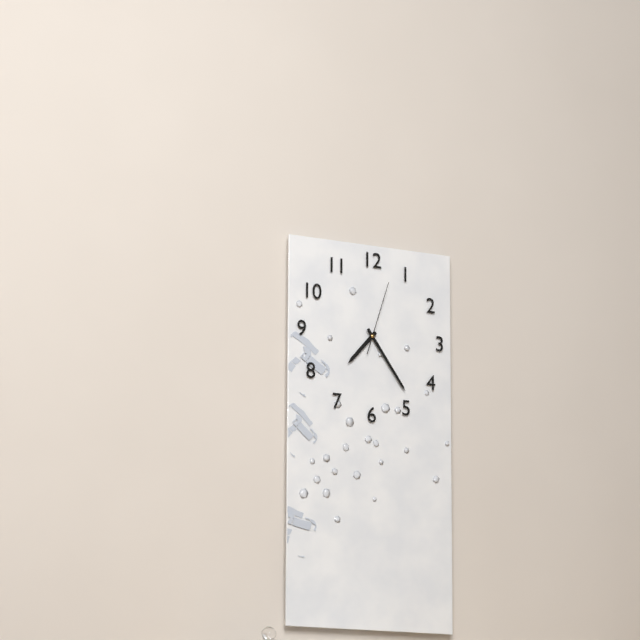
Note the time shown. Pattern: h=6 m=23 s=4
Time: h=7 m=24 s=3
